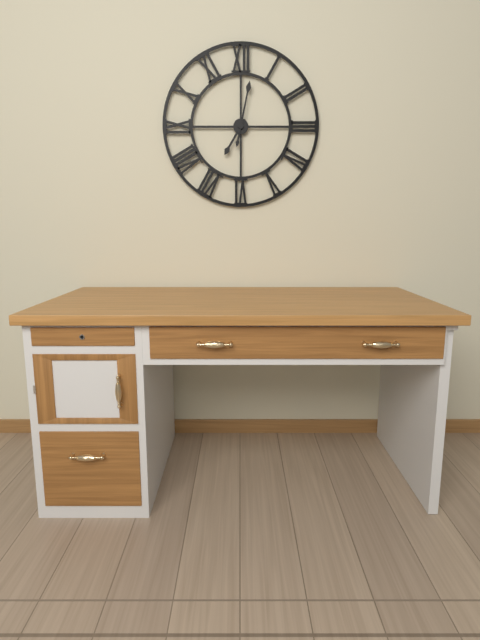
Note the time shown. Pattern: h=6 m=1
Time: h=7 m=2
